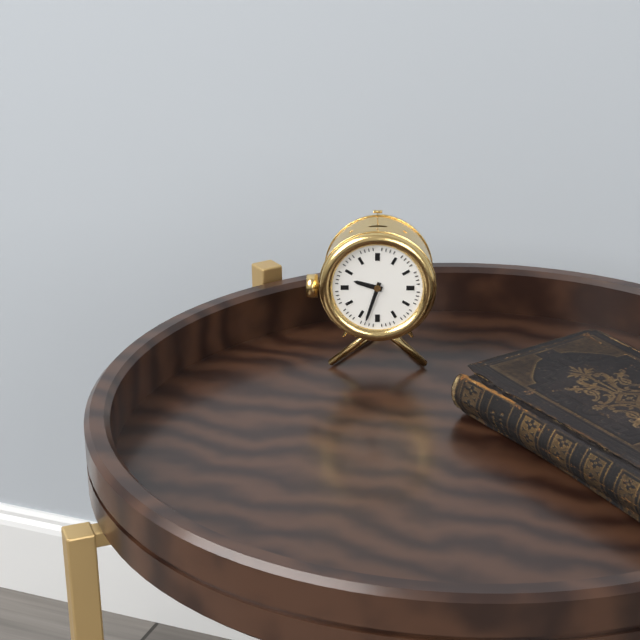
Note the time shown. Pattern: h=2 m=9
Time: h=9 m=33
